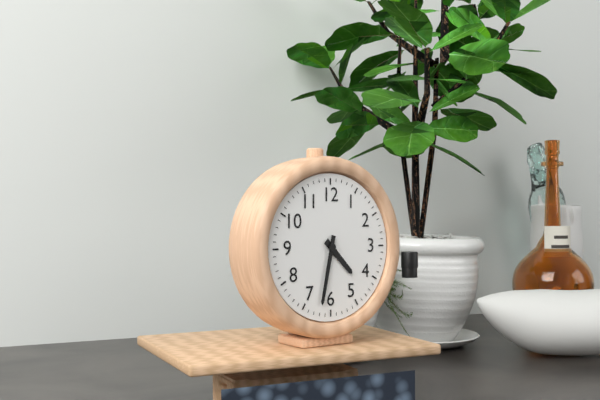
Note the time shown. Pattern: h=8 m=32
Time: h=4 m=32
